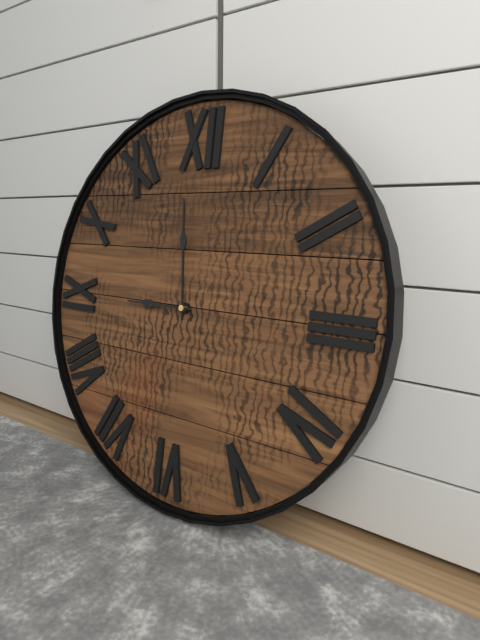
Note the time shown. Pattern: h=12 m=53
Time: h=8 m=59
